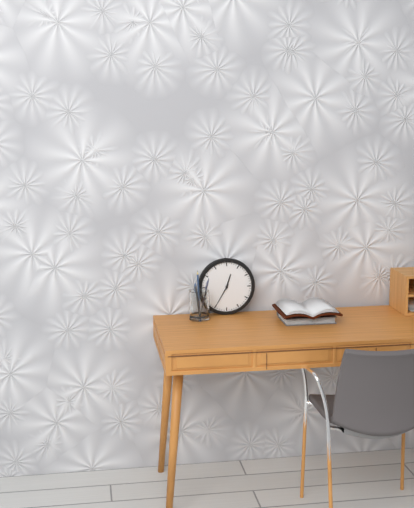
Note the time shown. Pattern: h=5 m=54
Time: h=12 m=35
